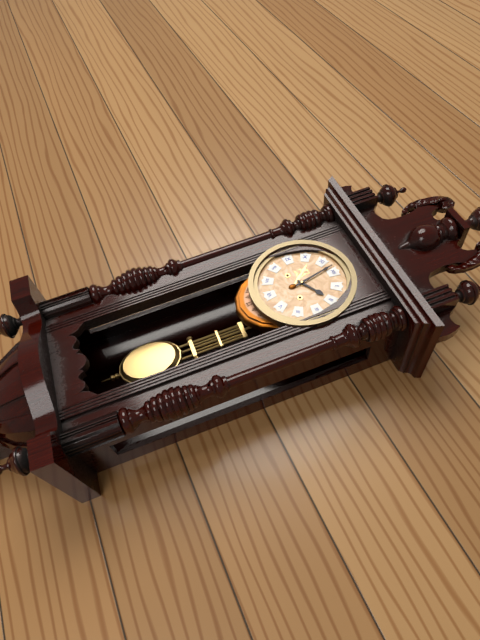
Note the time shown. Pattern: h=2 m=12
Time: h=1 m=58
